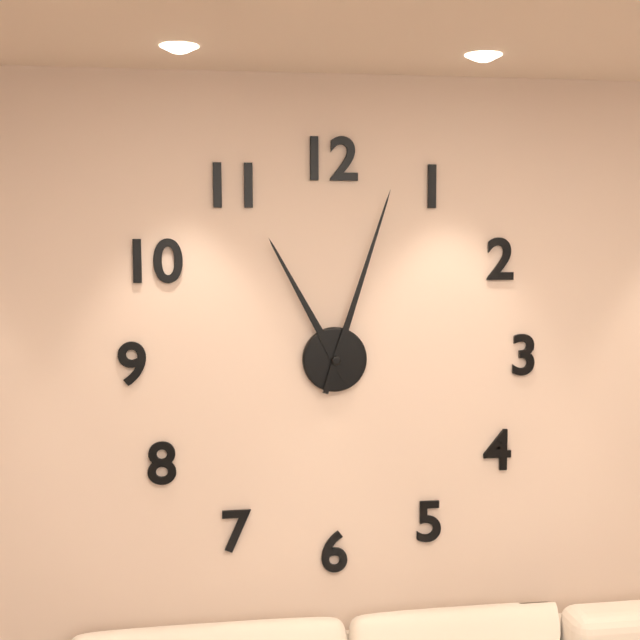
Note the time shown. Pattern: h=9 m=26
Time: h=11 m=3
